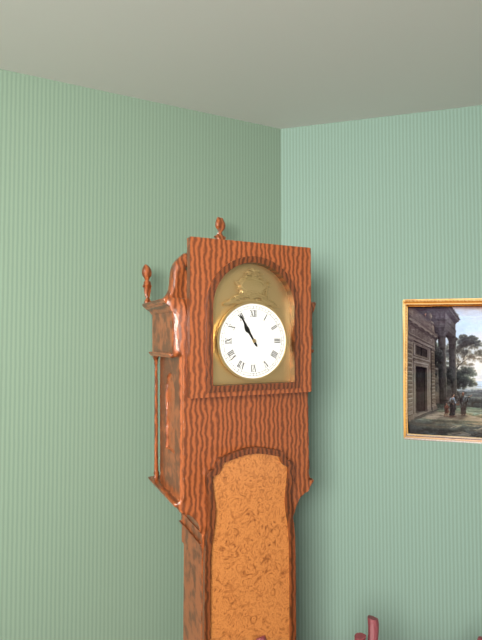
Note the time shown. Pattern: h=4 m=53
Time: h=10 m=55
